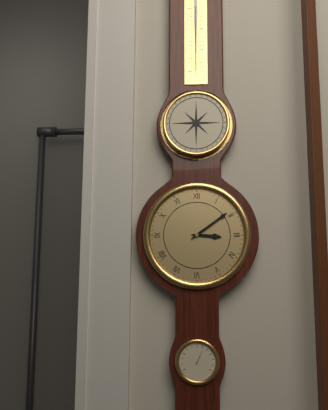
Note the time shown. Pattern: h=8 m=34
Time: h=3 m=9
